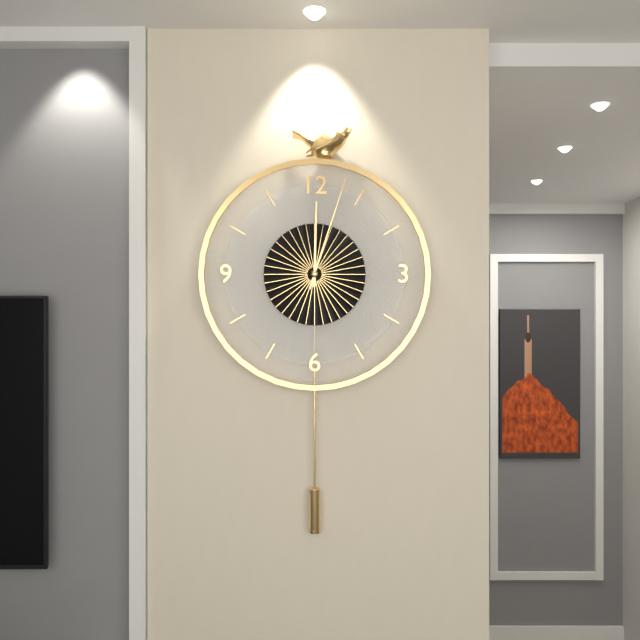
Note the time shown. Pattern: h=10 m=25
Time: h=12 m=3
